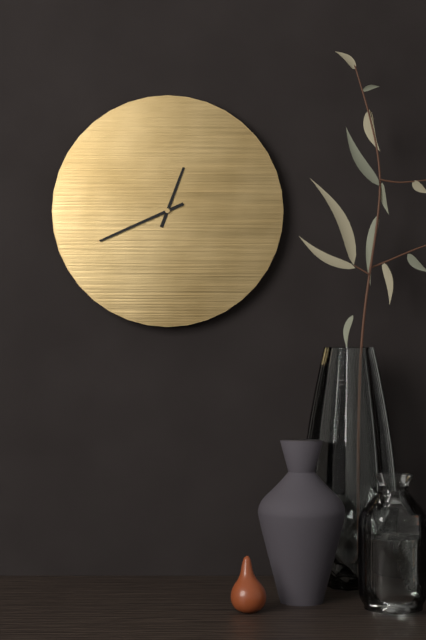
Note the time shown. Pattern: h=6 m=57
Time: h=12 m=41
